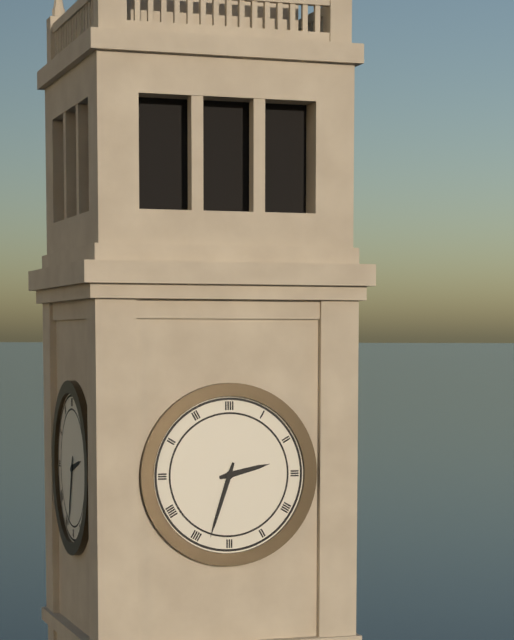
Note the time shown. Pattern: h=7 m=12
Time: h=2 m=33
